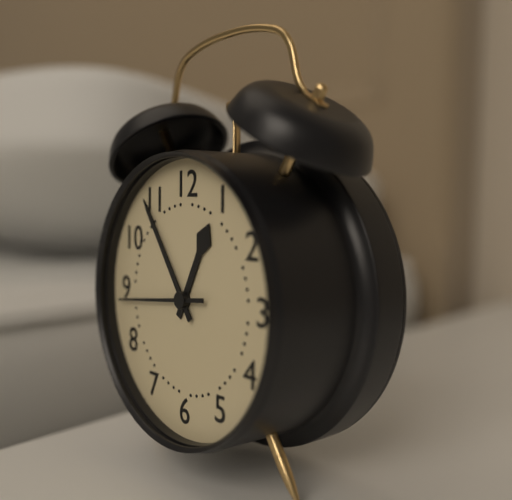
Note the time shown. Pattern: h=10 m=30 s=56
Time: h=12 m=54 s=44
